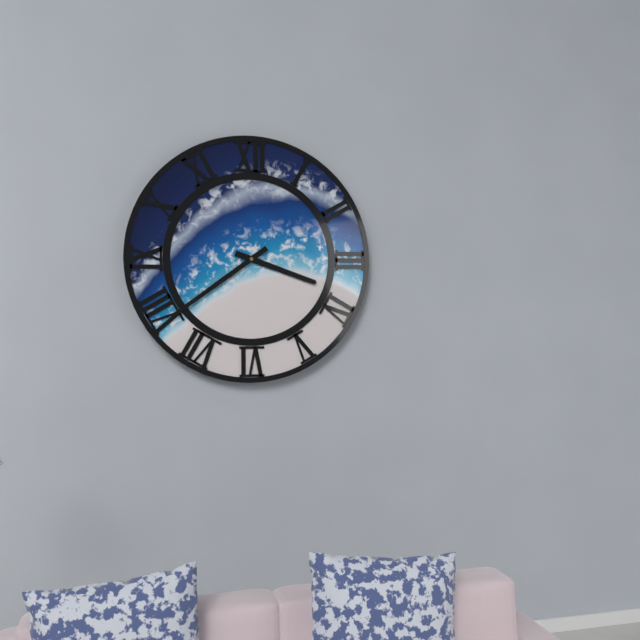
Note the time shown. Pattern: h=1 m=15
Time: h=3 m=39
